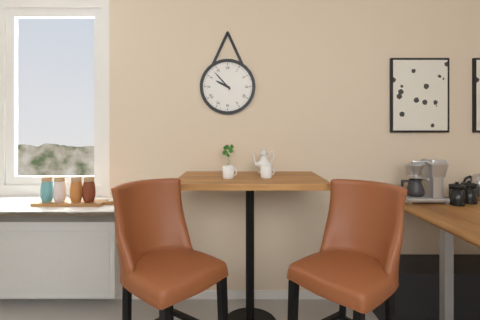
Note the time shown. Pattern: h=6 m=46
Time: h=9 m=53
